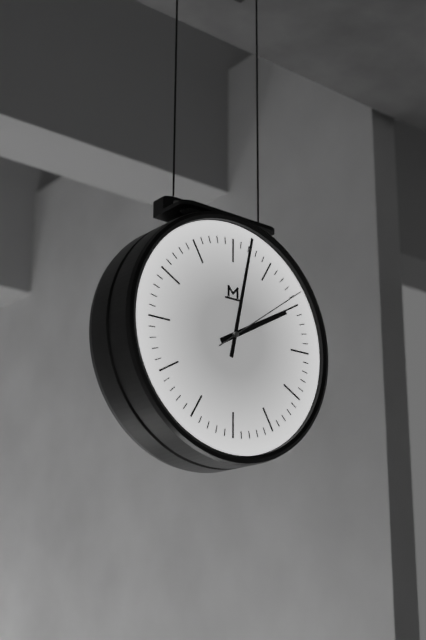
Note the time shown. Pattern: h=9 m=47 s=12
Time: h=2 m=2 s=9
